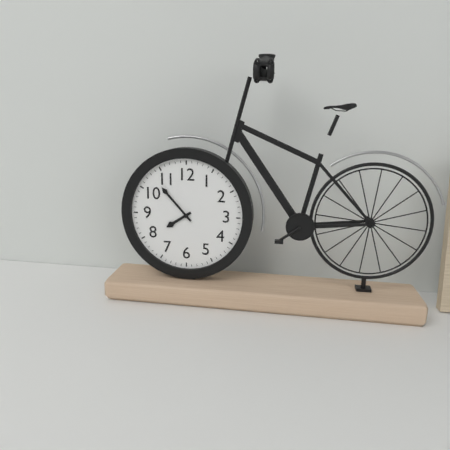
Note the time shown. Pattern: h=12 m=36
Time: h=7 m=53
